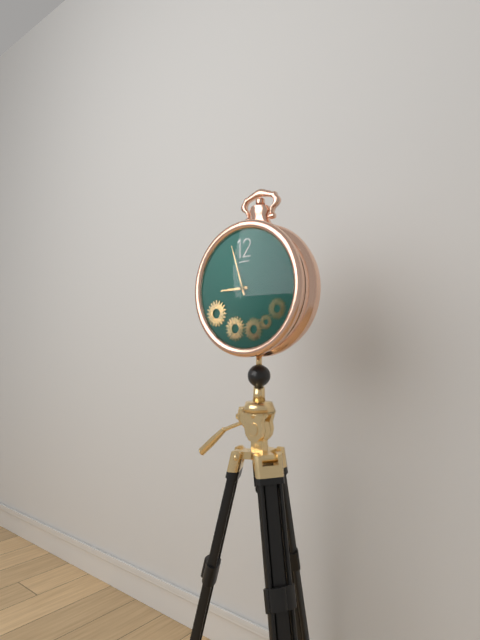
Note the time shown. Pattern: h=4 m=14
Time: h=8 m=57
